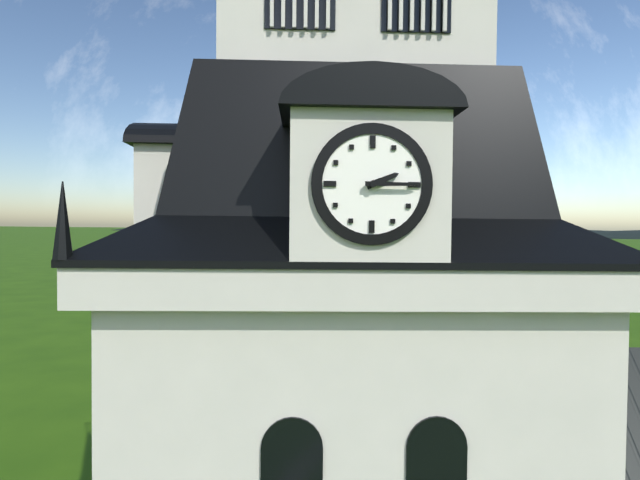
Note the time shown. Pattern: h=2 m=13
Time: h=2 m=15
